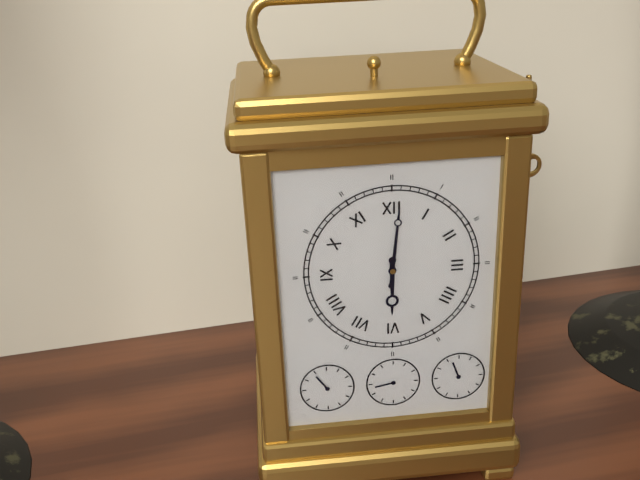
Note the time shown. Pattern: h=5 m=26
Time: h=6 m=1
